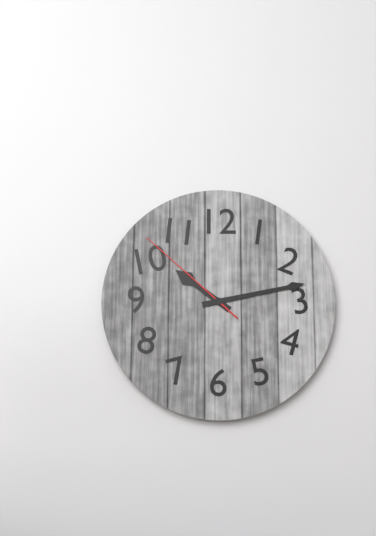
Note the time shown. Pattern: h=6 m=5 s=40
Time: h=10 m=13 s=52
